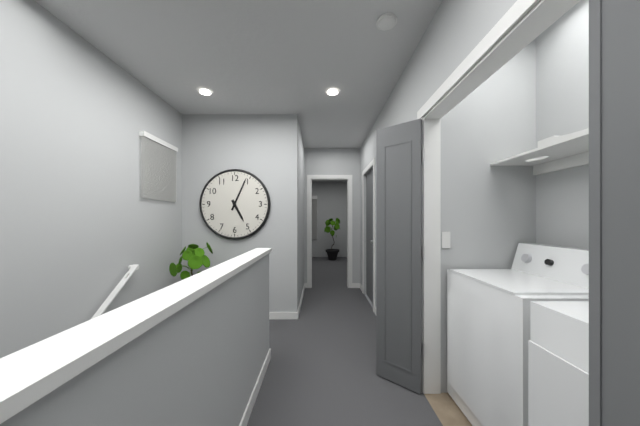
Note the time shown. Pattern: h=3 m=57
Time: h=5 m=4
